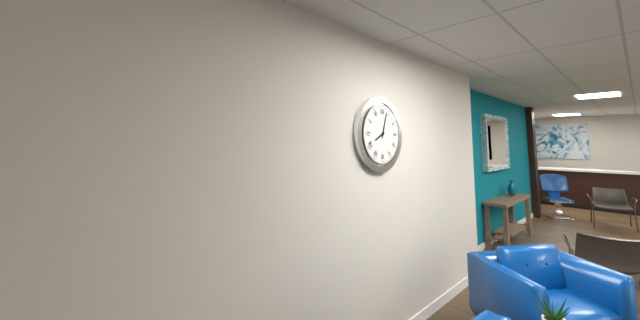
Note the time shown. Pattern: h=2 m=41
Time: h=8 m=3
